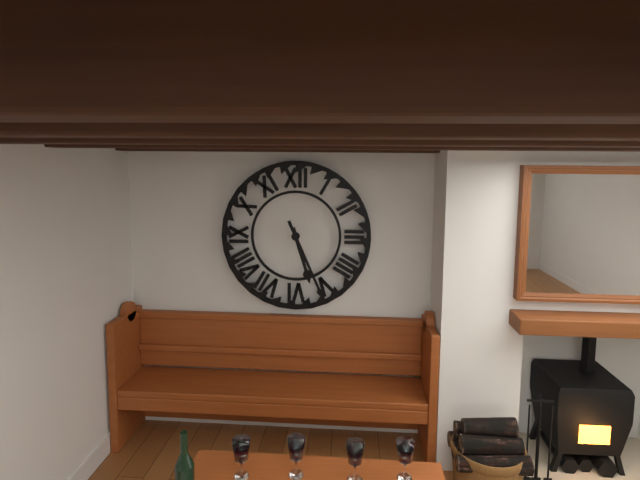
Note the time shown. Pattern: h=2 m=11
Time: h=5 m=26
